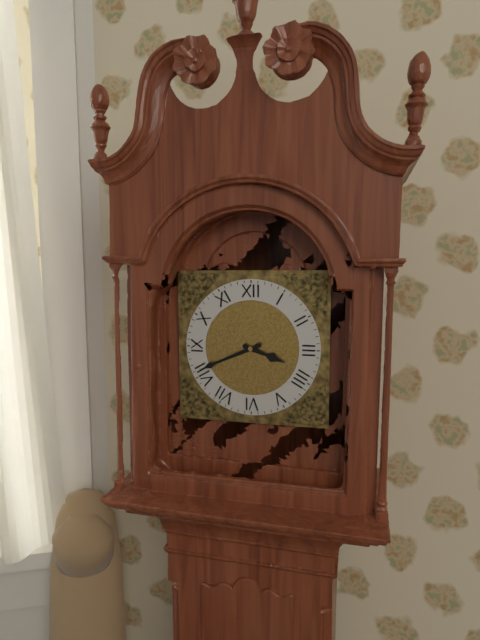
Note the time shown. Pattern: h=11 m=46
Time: h=3 m=41
